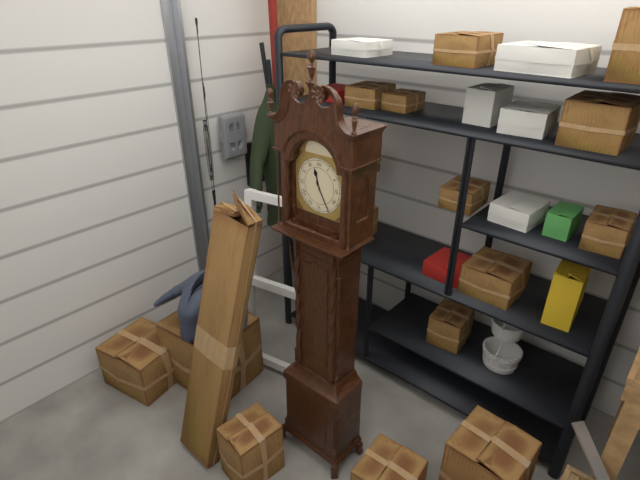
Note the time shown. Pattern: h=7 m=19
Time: h=11 m=25
